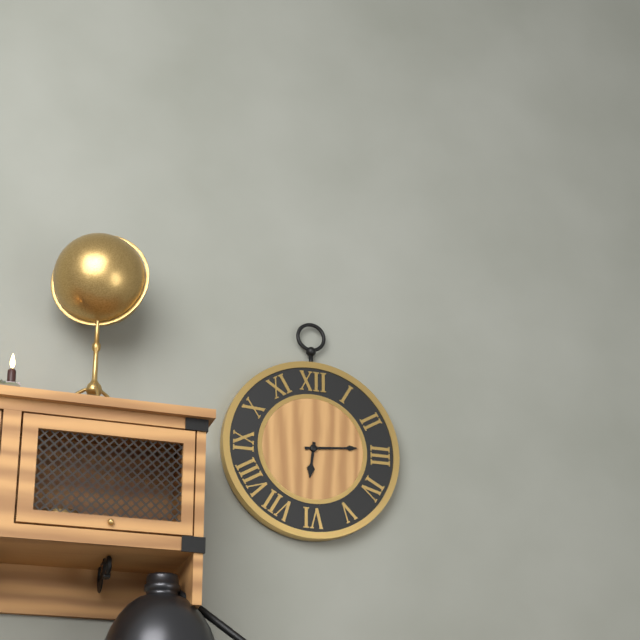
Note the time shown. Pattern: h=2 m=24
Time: h=6 m=14
